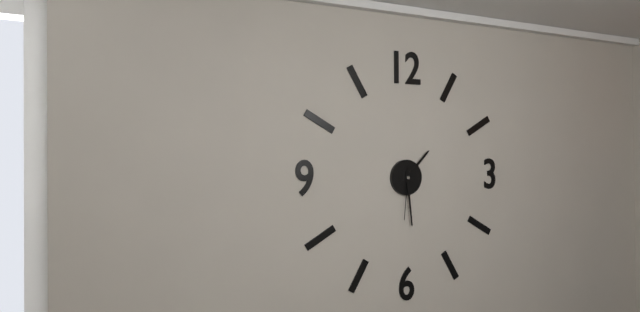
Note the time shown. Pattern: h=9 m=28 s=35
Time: h=1 m=29 s=31
